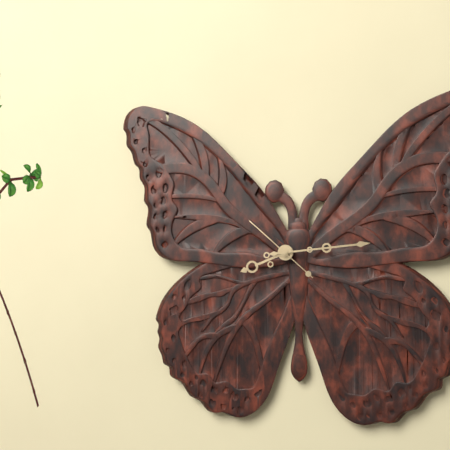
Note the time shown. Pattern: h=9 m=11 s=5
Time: h=8 m=14 s=52
